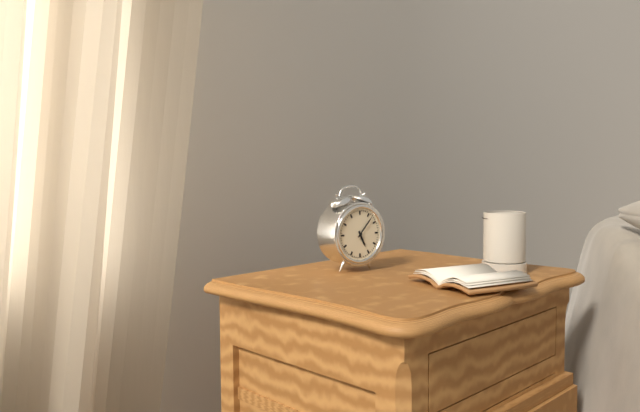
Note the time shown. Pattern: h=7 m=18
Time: h=5 m=7
